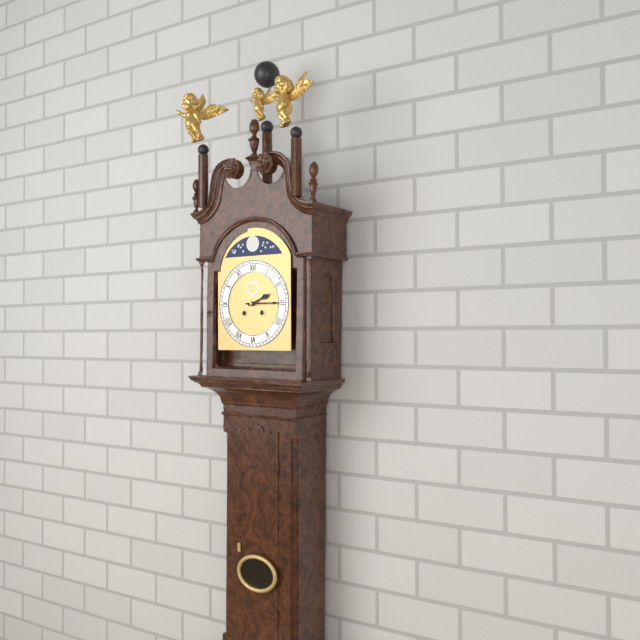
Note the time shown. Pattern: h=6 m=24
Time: h=2 m=15
